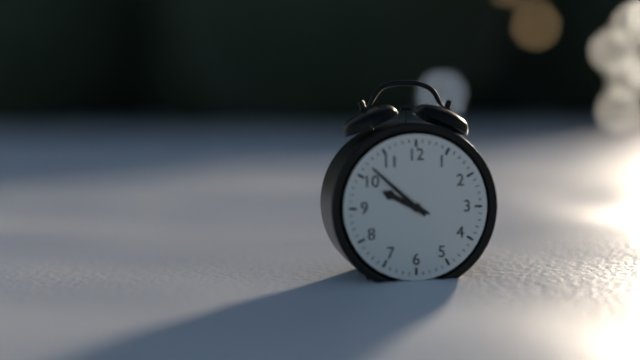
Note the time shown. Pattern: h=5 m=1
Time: h=9 m=52
